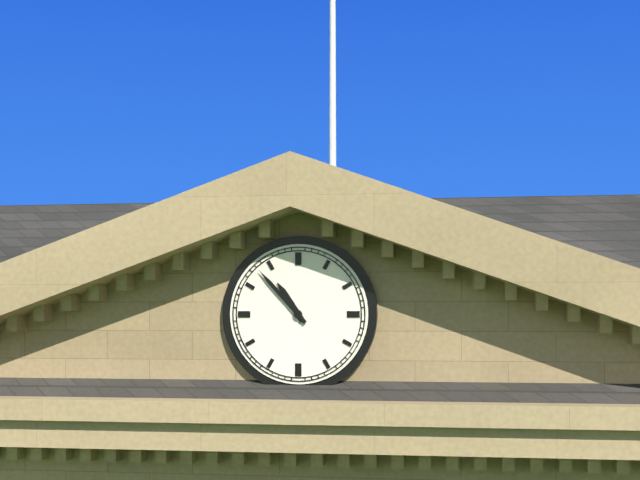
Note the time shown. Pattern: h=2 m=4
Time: h=10 m=53
